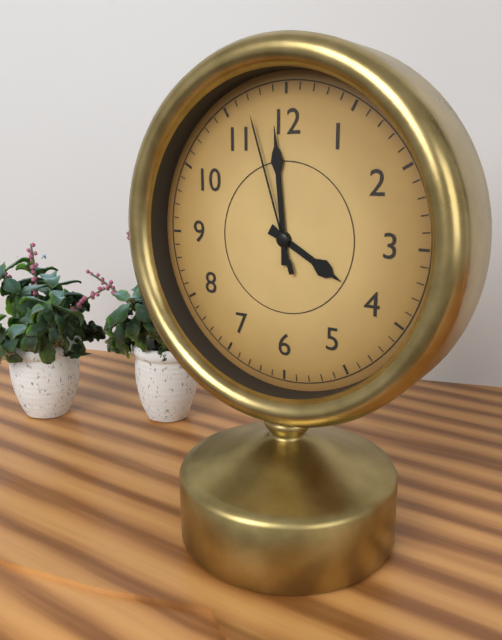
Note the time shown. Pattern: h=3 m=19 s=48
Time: h=3 m=59 s=57
